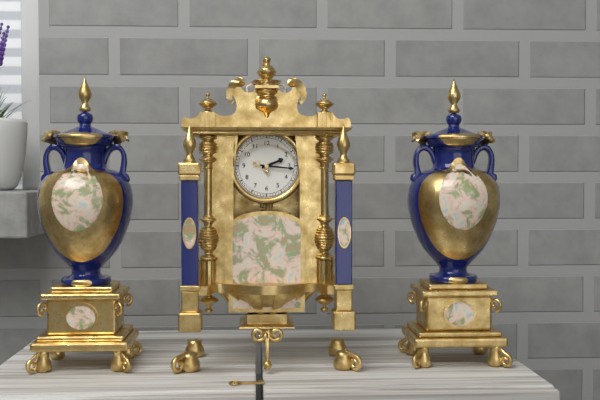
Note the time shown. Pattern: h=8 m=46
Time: h=2 m=16
